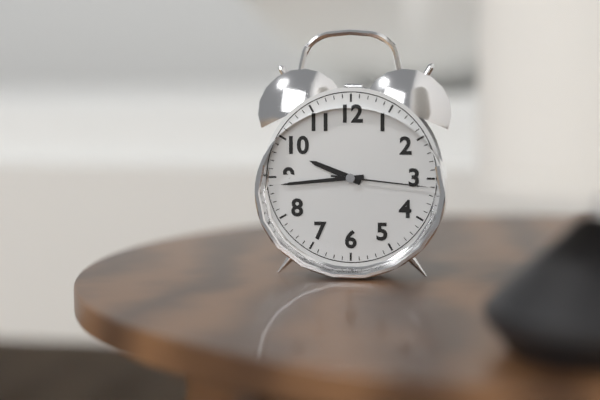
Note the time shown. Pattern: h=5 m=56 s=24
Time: h=9 m=44 s=16
